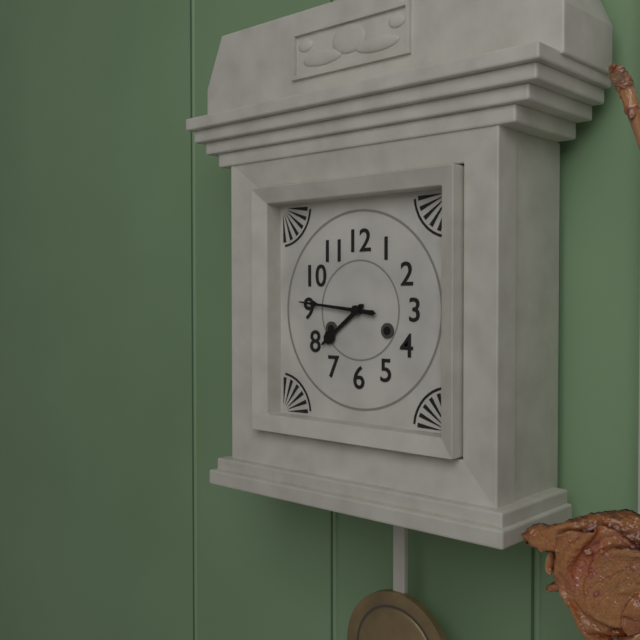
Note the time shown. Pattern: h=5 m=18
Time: h=7 m=46
